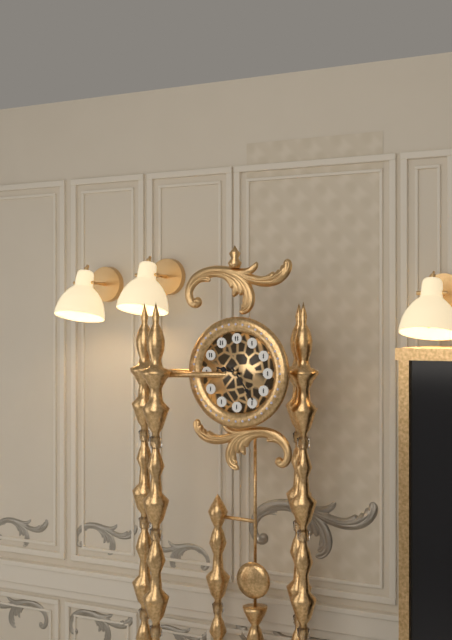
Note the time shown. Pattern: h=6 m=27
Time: h=9 m=24
